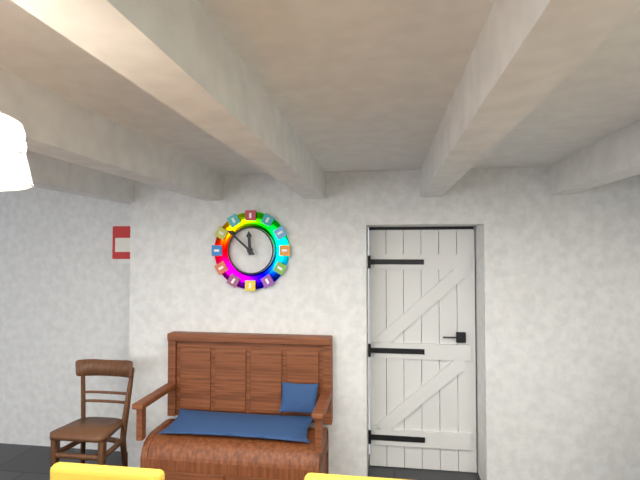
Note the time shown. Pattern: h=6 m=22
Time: h=11 m=52
